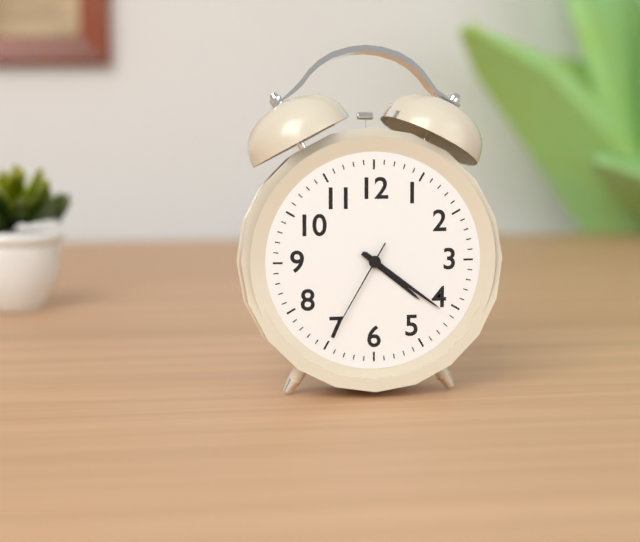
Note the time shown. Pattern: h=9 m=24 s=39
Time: h=4 m=21 s=35
